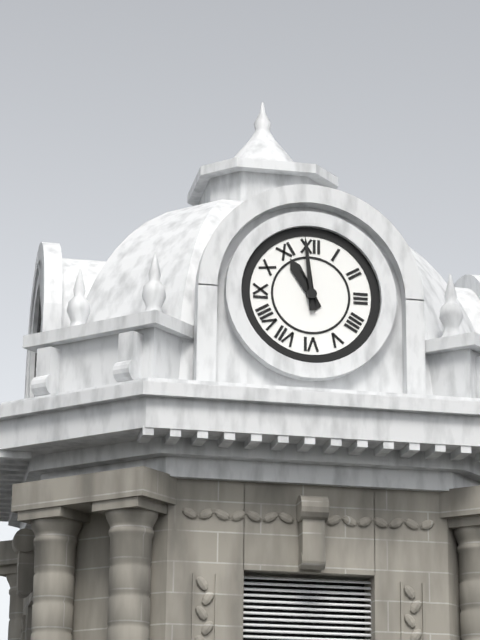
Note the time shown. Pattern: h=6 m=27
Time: h=10 m=59
